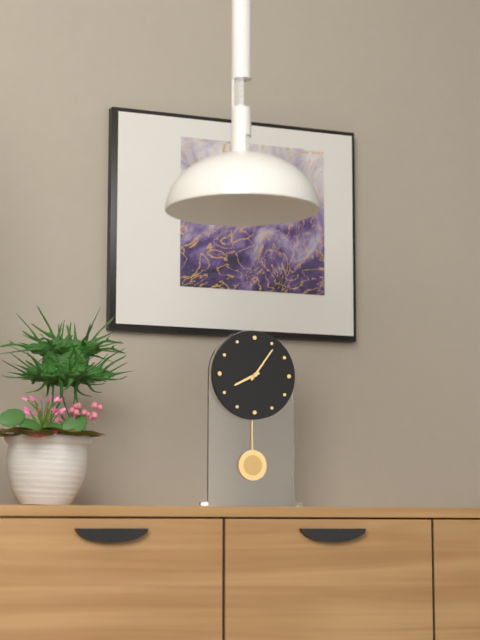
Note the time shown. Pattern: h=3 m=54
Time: h=8 m=6
